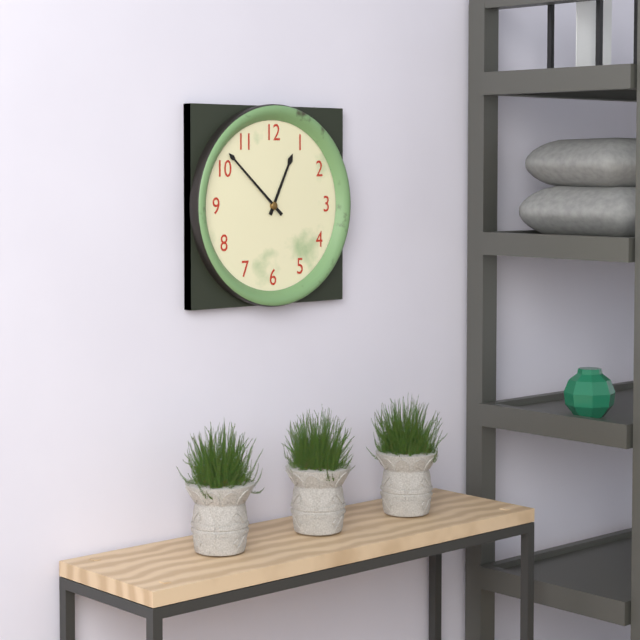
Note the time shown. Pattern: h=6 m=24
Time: h=12 m=52
